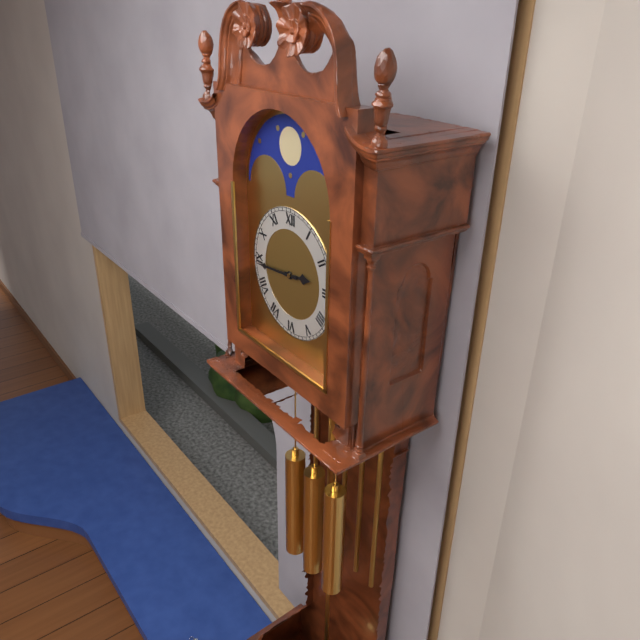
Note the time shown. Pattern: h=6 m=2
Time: h=2 m=44
